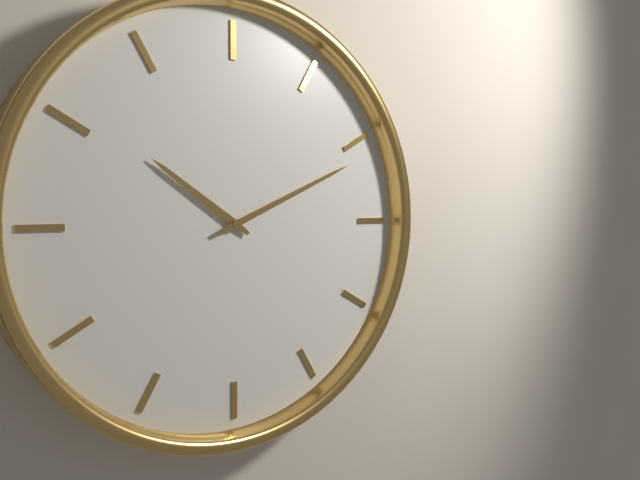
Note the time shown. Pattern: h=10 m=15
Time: h=10 m=11
